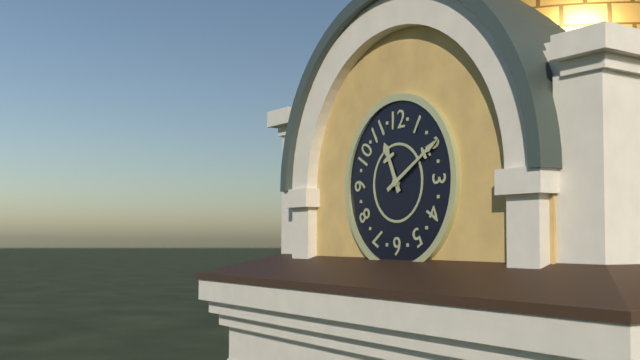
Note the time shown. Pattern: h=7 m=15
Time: h=11 m=10
